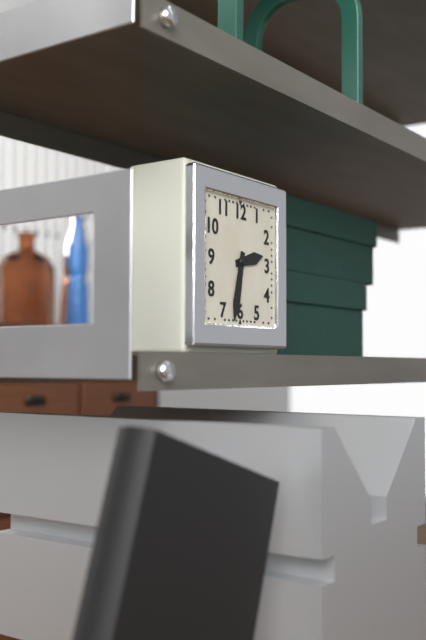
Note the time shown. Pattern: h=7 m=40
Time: h=2 m=32
